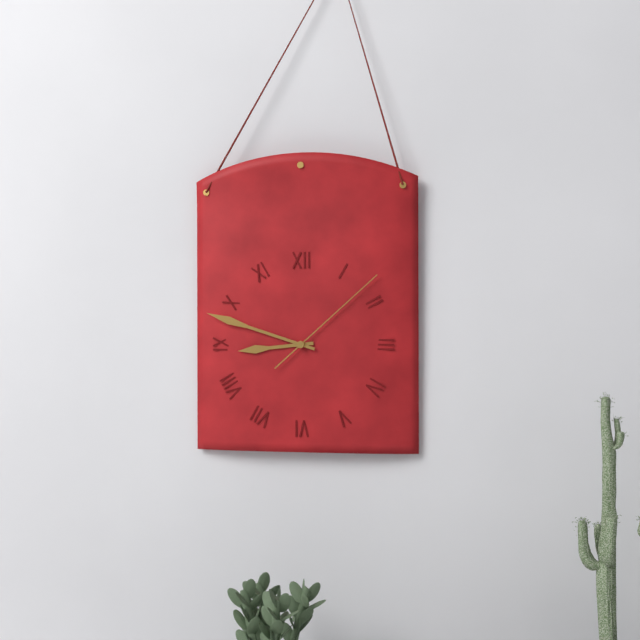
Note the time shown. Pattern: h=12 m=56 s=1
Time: h=8 m=48 s=8
